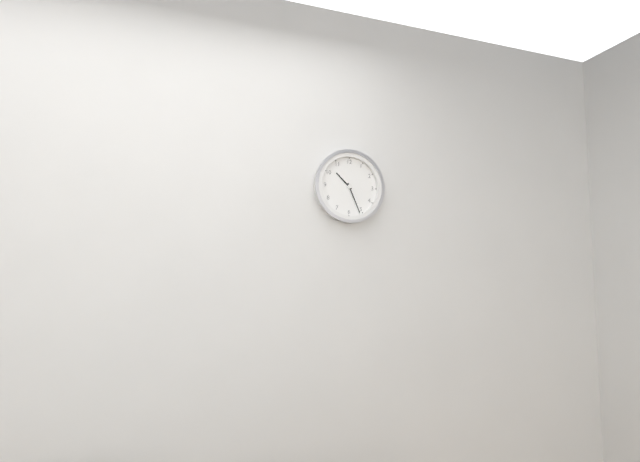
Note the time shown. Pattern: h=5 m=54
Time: h=10 m=26
